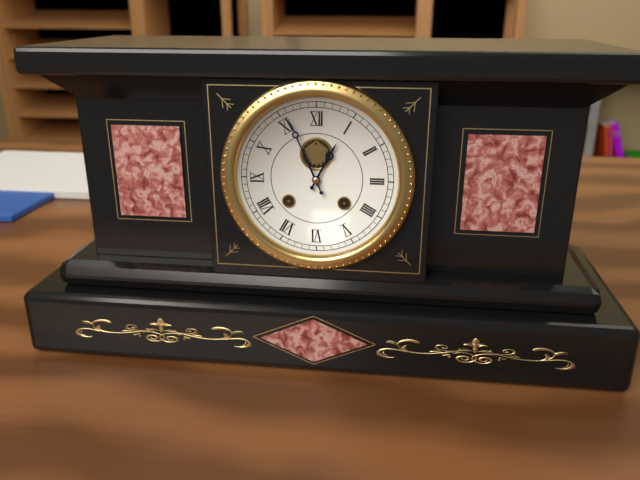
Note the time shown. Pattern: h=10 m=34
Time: h=12 m=56
